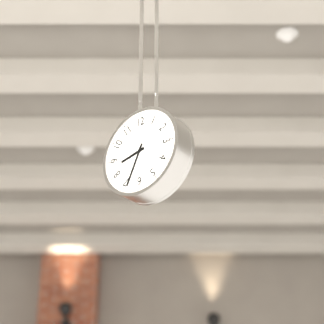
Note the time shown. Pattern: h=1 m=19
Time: h=8 m=34
